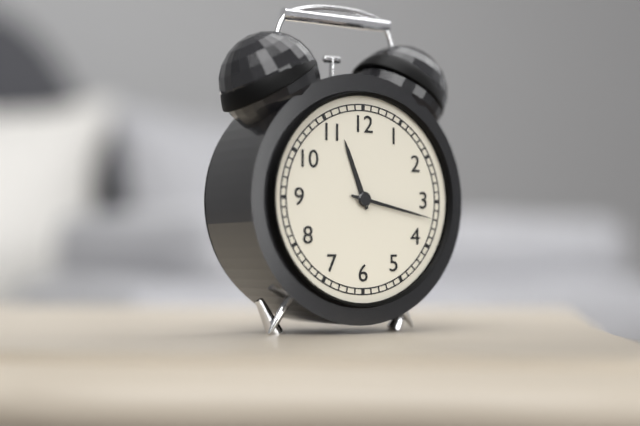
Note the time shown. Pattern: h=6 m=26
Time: h=11 m=17
